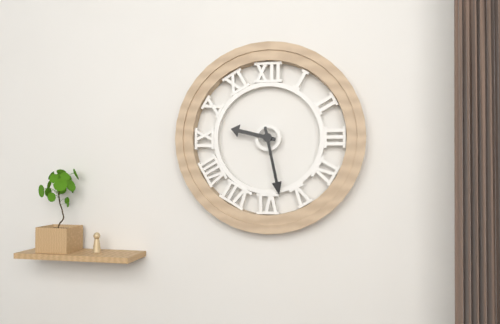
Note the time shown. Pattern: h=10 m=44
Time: h=9 m=28
